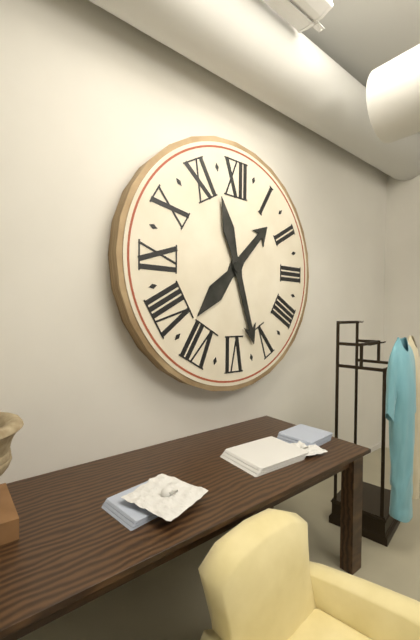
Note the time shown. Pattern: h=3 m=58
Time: h=1 m=27
